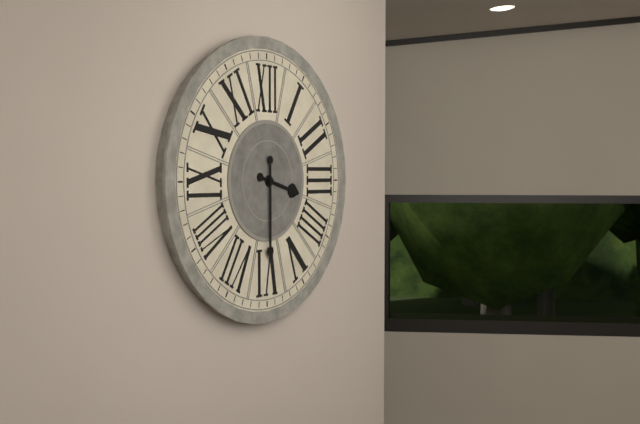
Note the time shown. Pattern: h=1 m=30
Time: h=3 m=30
